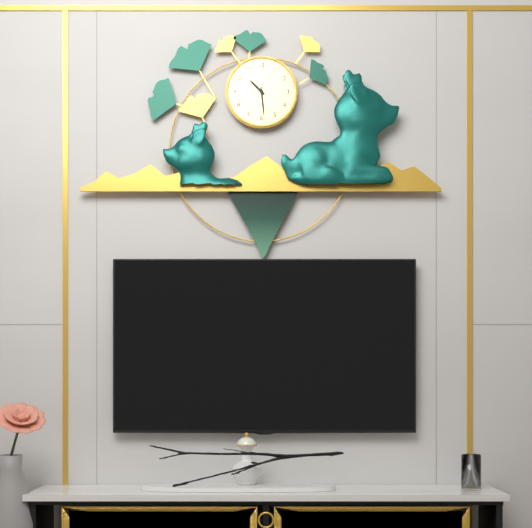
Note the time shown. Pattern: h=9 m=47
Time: h=10 m=29
